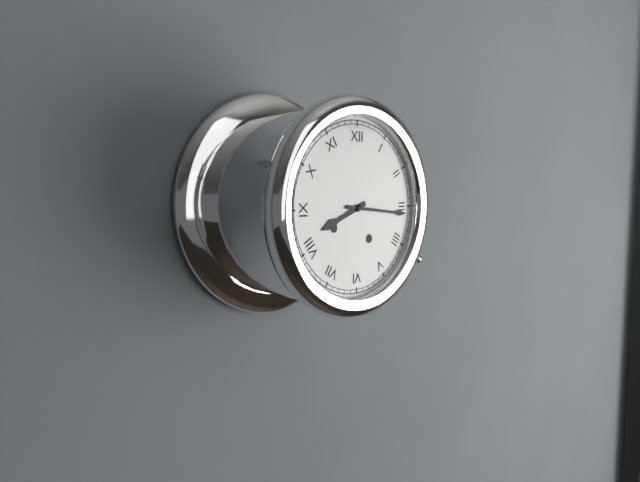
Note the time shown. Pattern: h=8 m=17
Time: h=8 m=16
